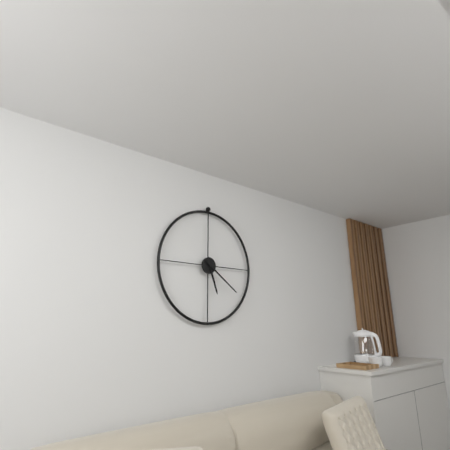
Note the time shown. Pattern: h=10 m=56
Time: h=5 m=21
